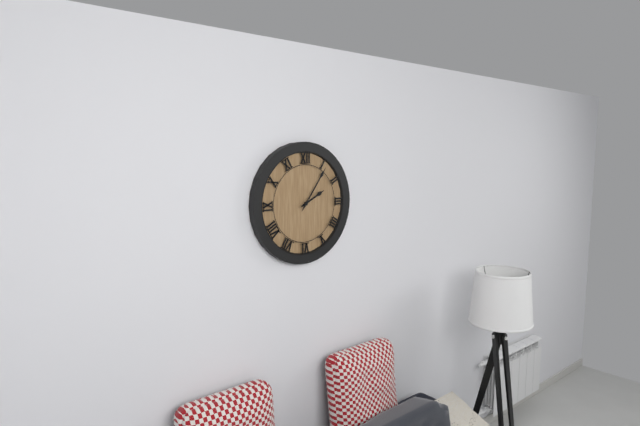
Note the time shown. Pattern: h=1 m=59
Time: h=2 m=6
